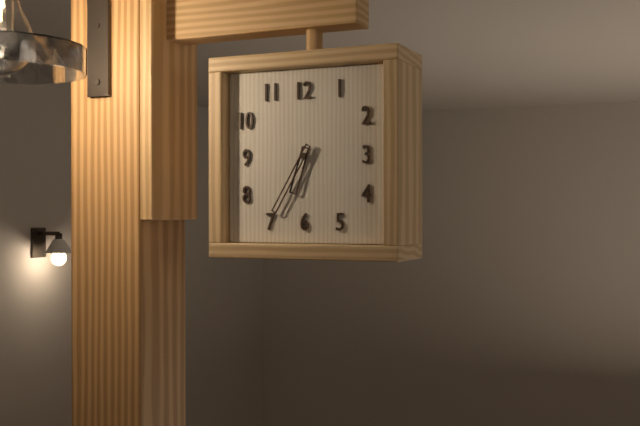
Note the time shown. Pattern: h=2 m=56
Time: h=6 m=35
